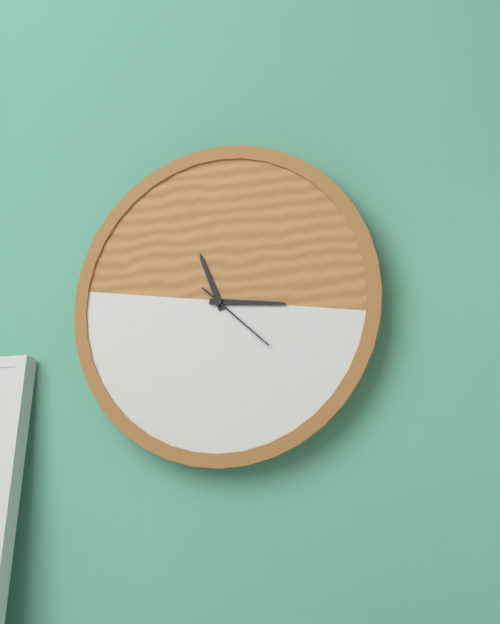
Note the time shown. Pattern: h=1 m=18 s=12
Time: h=11 m=16 s=22
